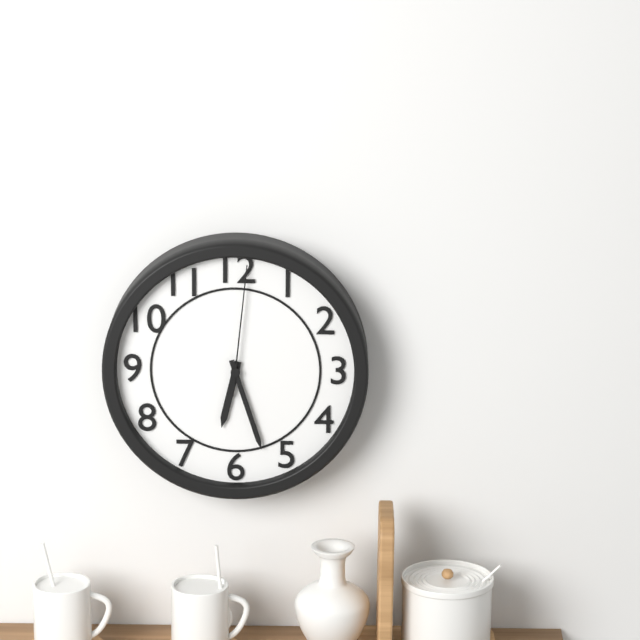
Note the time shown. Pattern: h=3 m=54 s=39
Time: h=6 m=27 s=1
